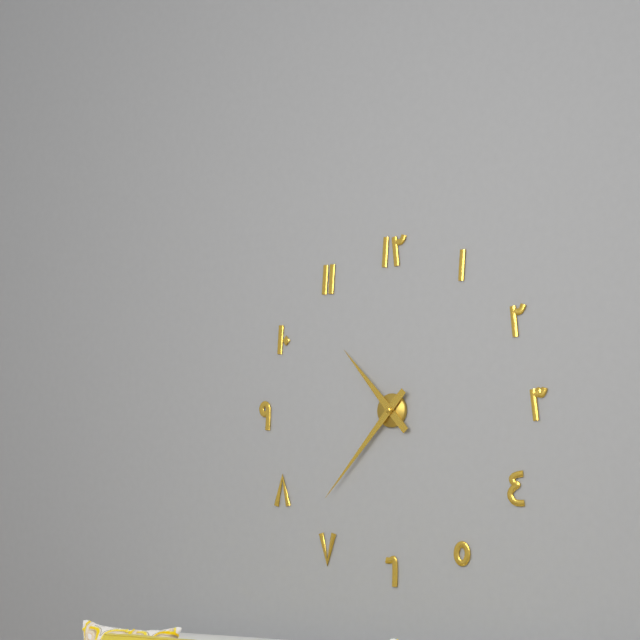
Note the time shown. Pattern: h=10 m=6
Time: h=10 m=37
